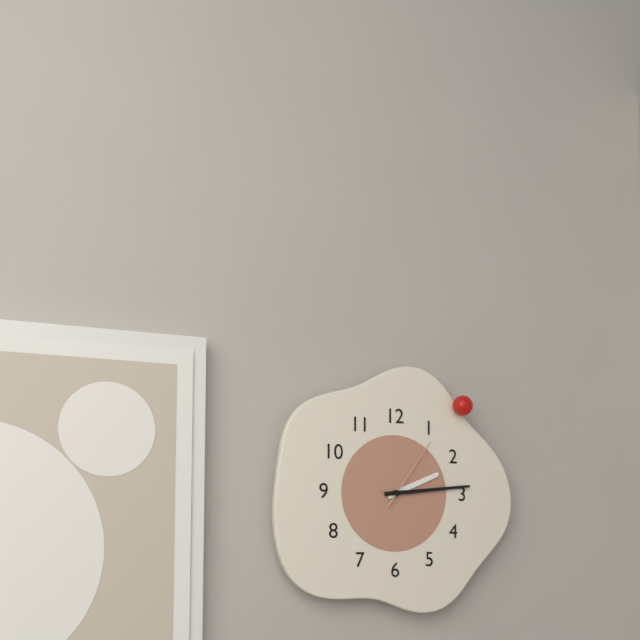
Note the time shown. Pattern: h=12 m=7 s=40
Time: h=2 m=14 s=6
